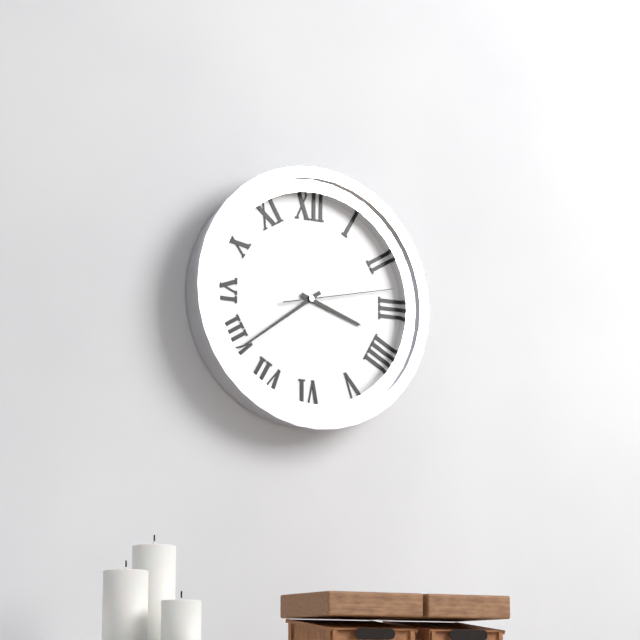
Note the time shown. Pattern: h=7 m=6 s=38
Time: h=3 m=39 s=13
